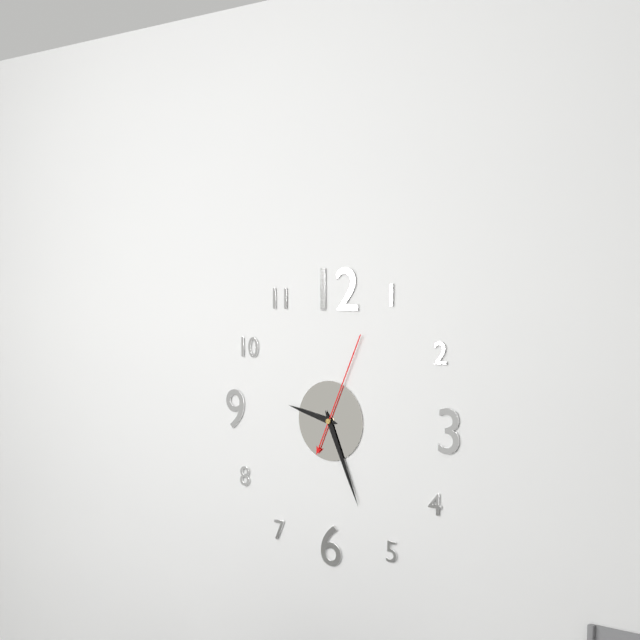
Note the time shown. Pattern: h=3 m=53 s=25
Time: h=9 m=26 s=4
